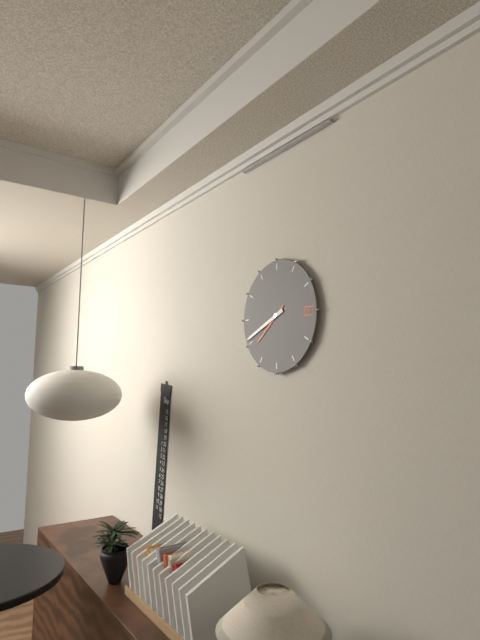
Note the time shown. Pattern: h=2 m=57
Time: h=7 m=41
